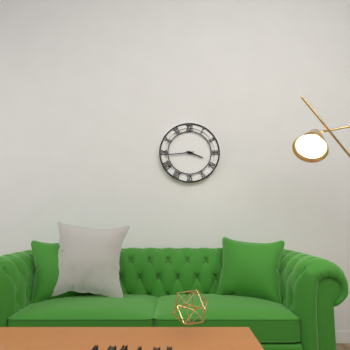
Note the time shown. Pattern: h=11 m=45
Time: h=3 m=44
